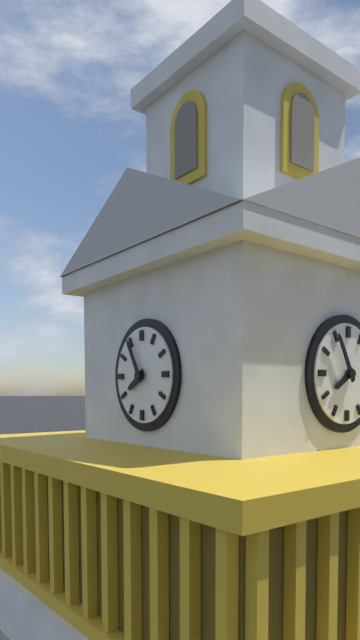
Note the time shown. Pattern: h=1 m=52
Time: h=7 m=55
